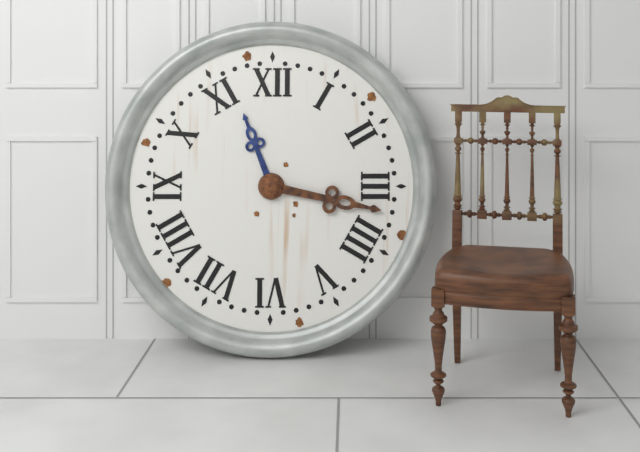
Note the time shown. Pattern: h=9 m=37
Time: h=11 m=17
